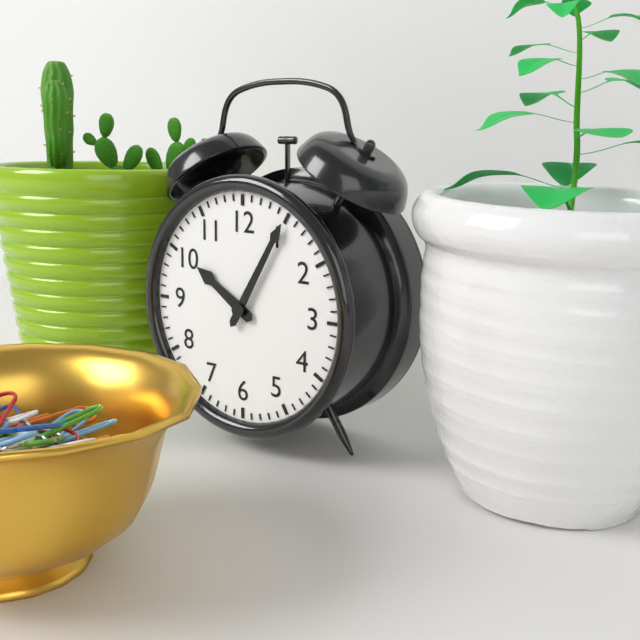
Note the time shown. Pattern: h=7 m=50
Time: h=10 m=5
